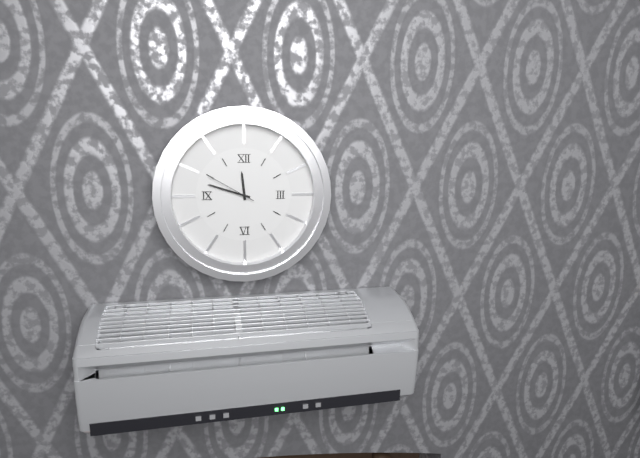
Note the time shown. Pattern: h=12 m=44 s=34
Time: h=11 m=48 s=50
